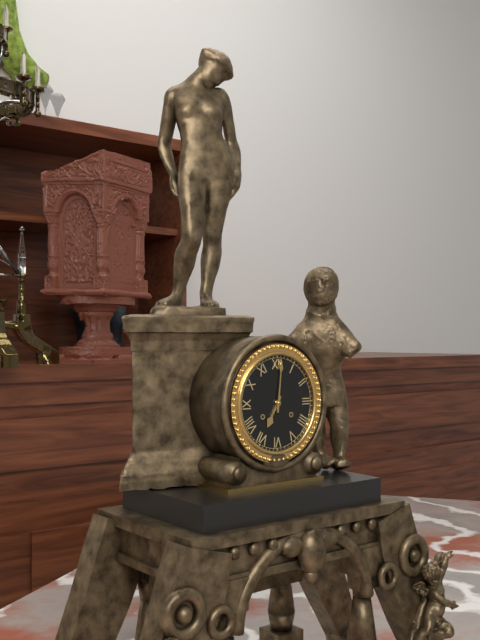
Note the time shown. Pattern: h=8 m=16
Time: h=7 m=1
